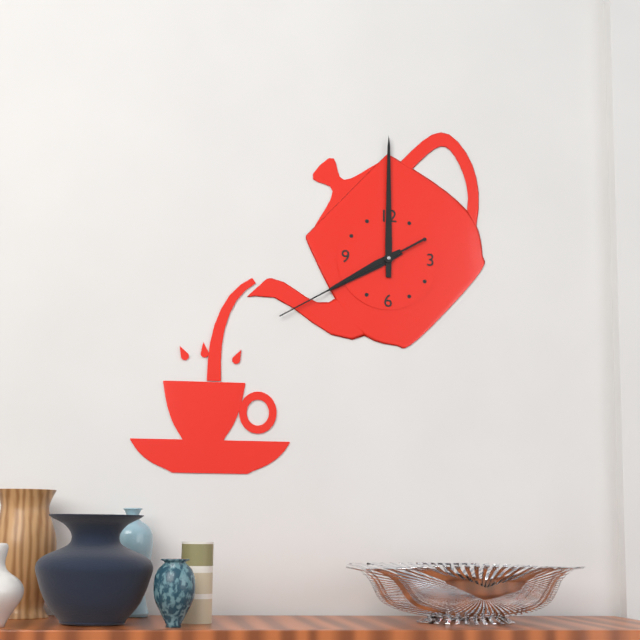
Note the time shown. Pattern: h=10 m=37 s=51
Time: h=8 m=0 s=40
